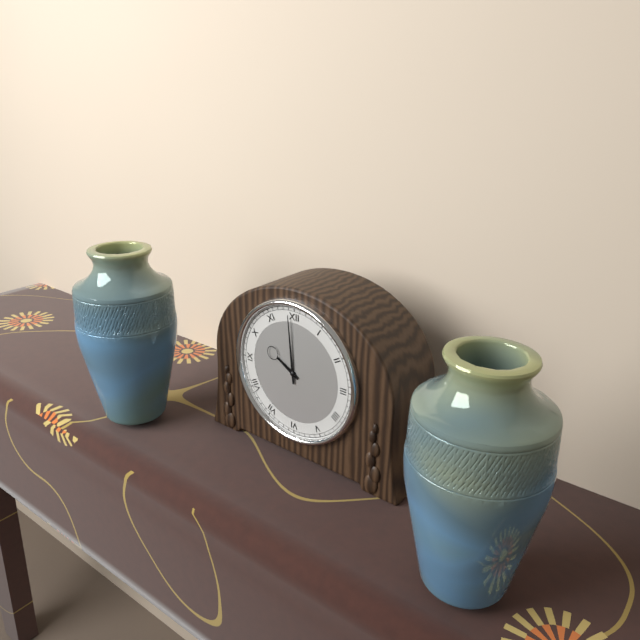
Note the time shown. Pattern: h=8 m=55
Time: h=9 m=59
